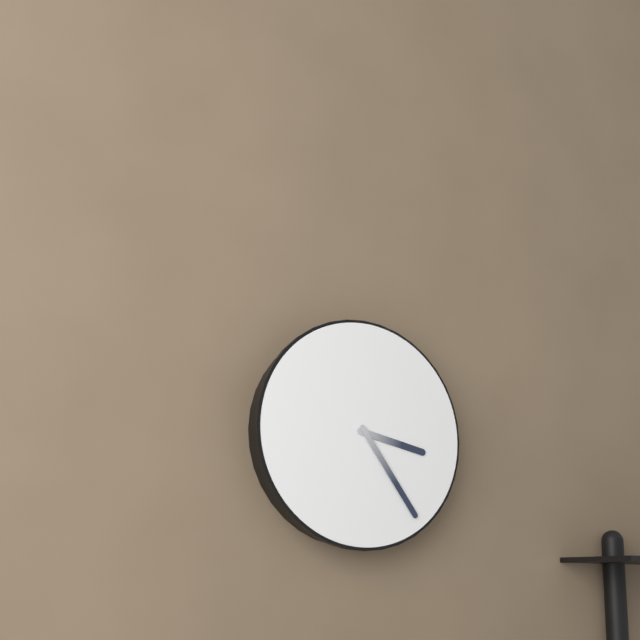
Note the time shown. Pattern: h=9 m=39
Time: h=3 m=24
